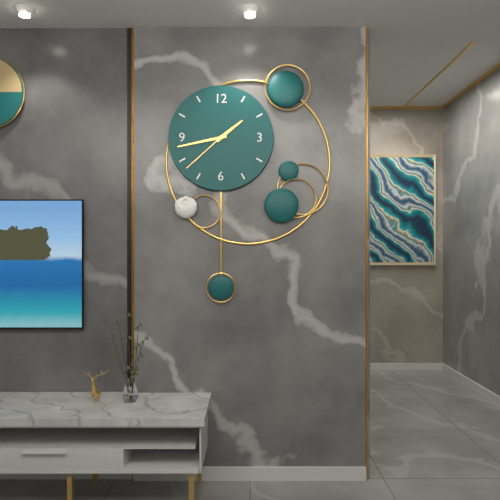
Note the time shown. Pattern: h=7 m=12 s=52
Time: h=1 m=43 s=38
